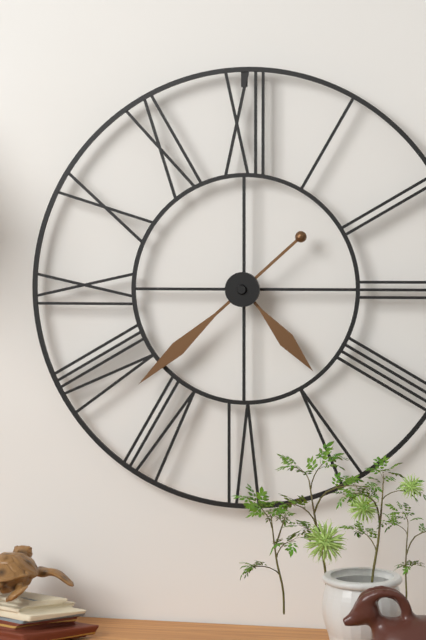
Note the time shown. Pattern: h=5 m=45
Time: h=4 m=38
